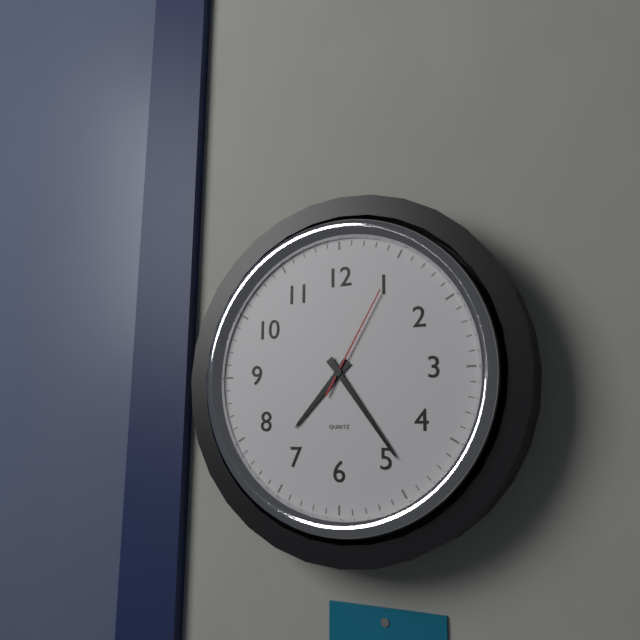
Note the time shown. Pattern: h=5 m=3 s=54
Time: h=7 m=24 s=5
